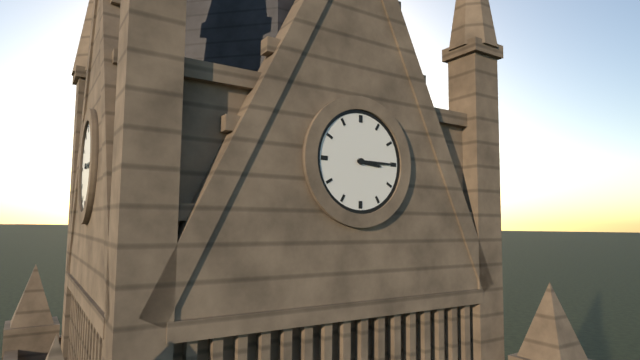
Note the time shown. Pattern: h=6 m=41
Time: h=3 m=15
